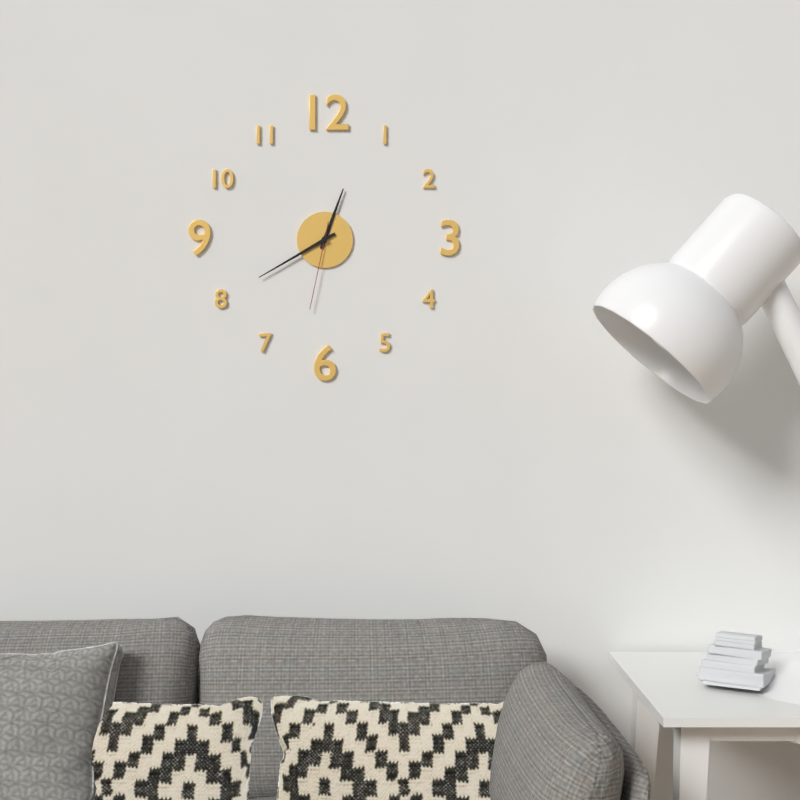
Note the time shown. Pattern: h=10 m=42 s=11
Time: h=12 m=40 s=32
